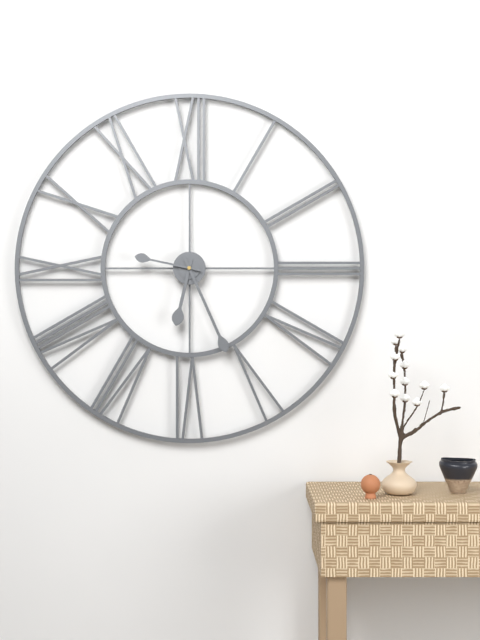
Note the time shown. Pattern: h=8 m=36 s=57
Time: h=6 m=26 s=47
